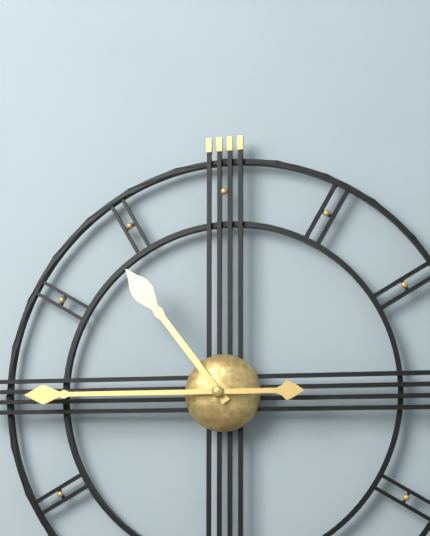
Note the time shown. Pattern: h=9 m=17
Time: h=10 m=45
